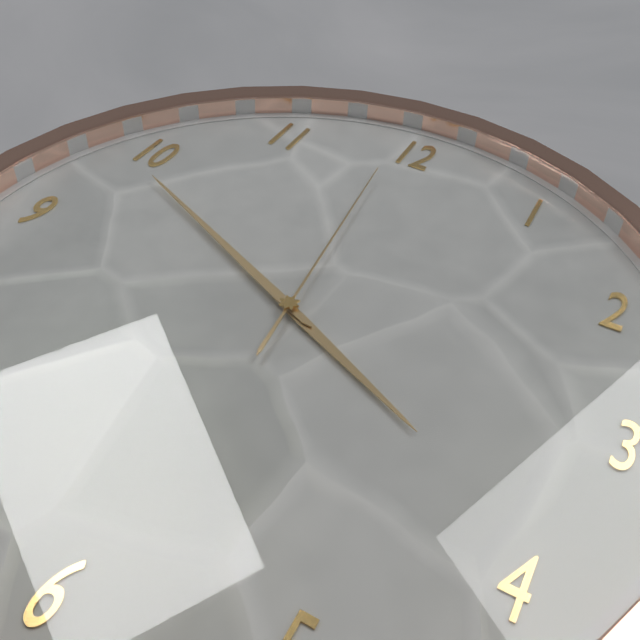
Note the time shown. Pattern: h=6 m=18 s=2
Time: h=3 m=49 s=59
